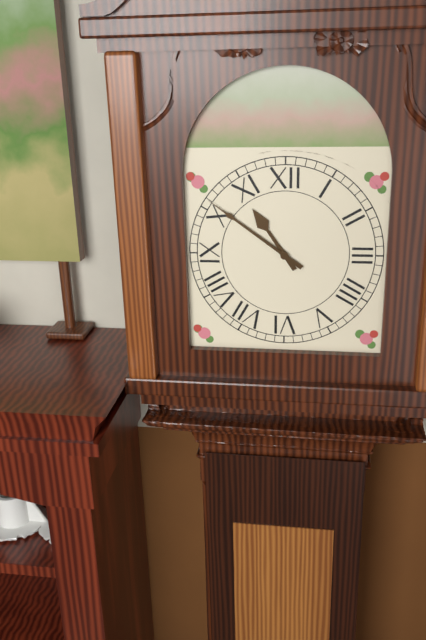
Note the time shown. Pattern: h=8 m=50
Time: h=10 m=51
